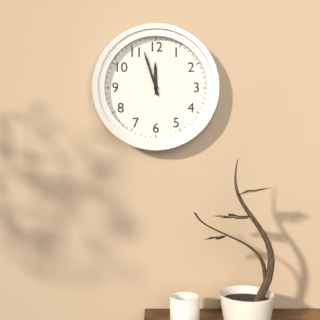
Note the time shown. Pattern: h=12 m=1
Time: h=11 m=57
